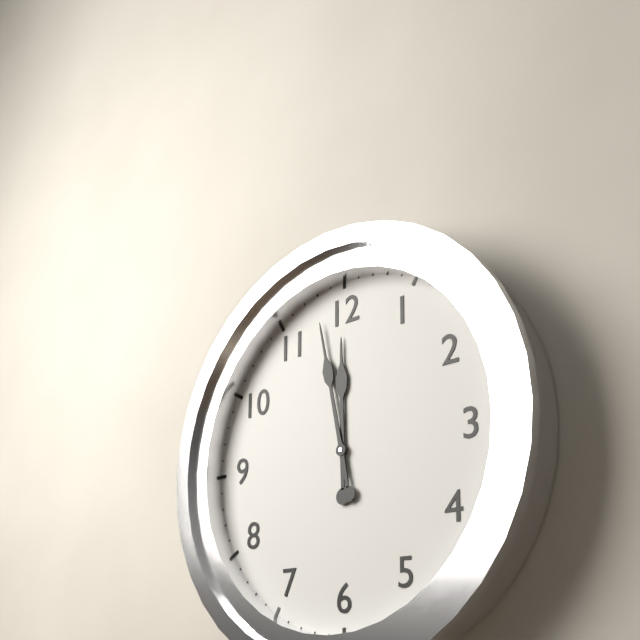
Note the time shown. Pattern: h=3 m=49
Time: h=11 m=58
